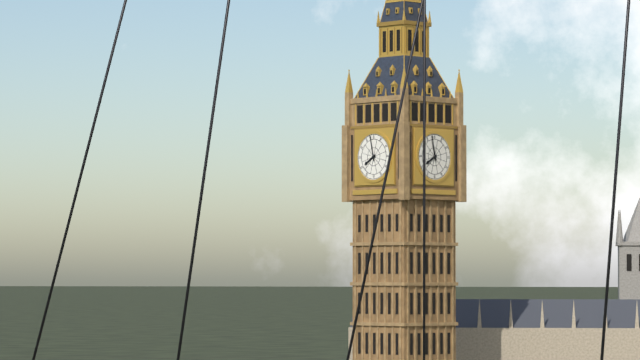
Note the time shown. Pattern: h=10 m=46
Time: h=7 m=58
